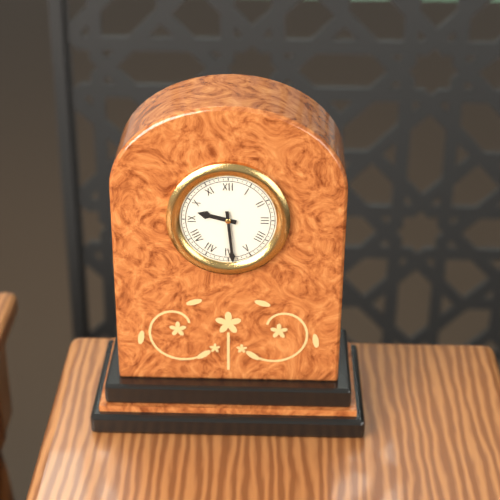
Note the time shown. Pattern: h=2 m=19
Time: h=9 m=29
